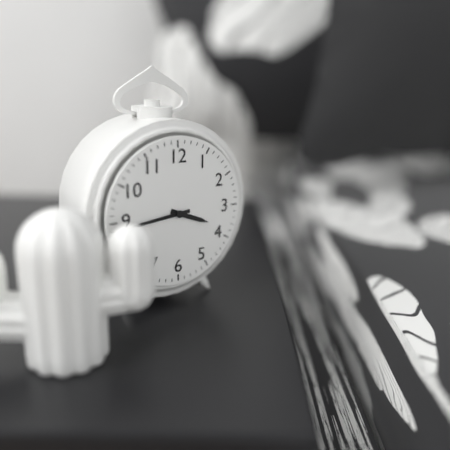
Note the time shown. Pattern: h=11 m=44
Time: h=3 m=44
